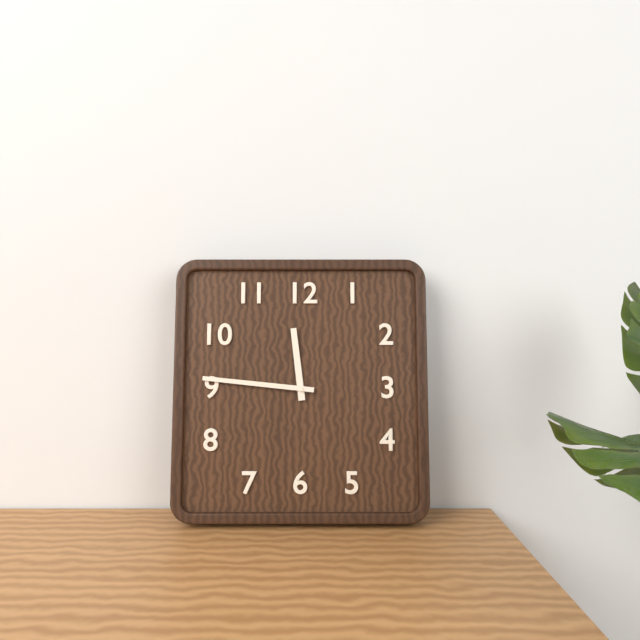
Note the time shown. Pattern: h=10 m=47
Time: h=11 m=46
